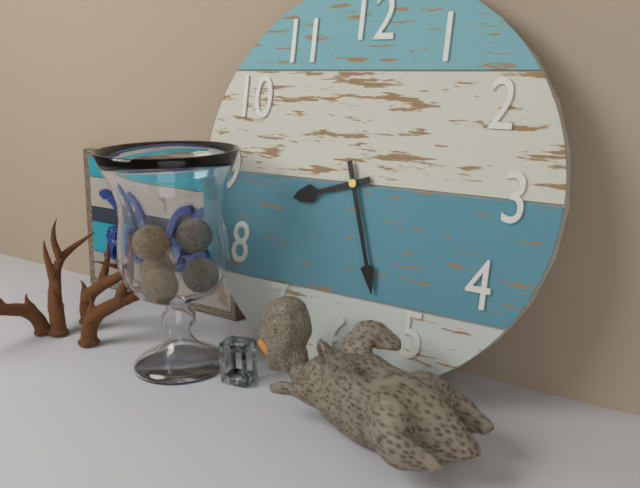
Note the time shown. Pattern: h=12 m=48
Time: h=8 m=27
